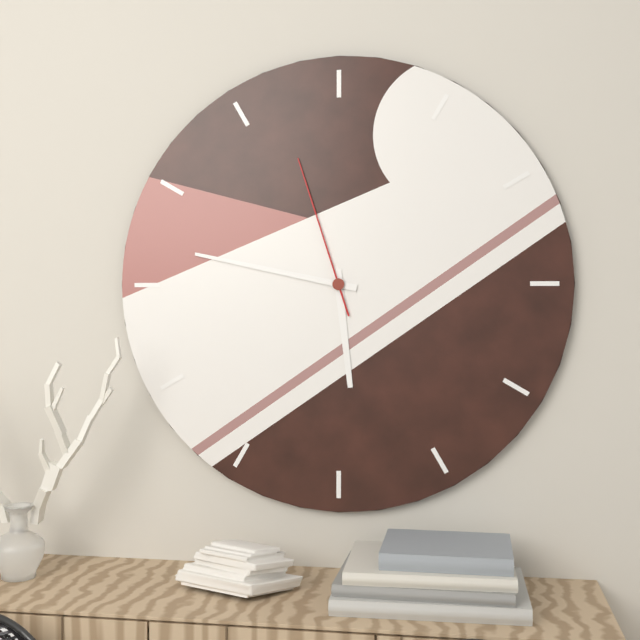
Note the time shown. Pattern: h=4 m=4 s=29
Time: h=5 m=47 s=57
